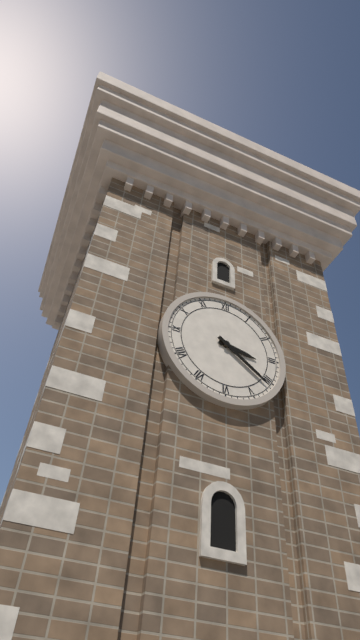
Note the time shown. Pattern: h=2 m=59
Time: h=3 m=21
